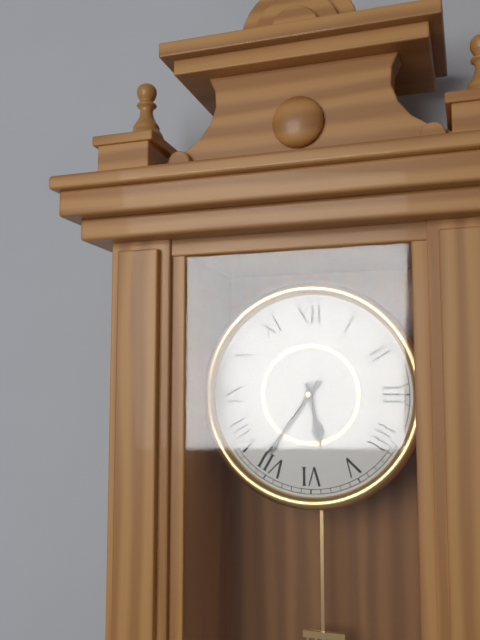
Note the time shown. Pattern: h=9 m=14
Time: h=5 m=36
